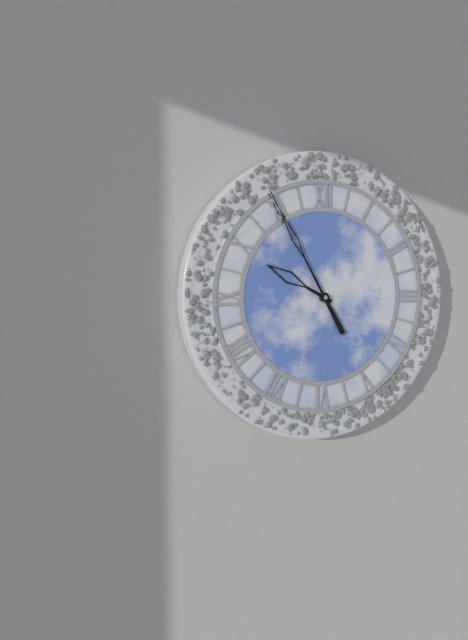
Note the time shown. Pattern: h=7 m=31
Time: h=9 m=55
